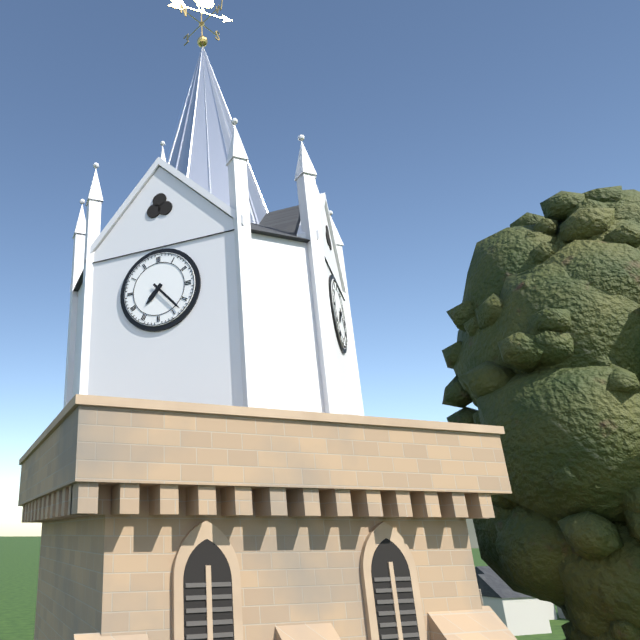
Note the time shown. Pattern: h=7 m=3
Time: h=7 m=23
